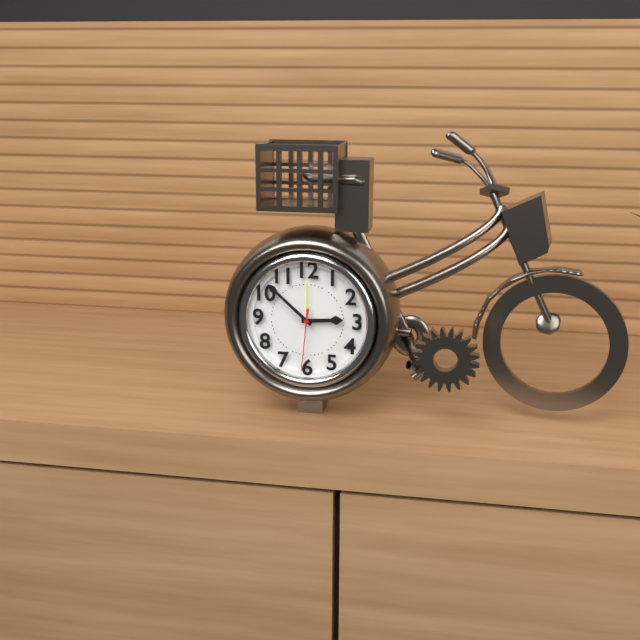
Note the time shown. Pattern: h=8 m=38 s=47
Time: h=2 m=52 s=31
